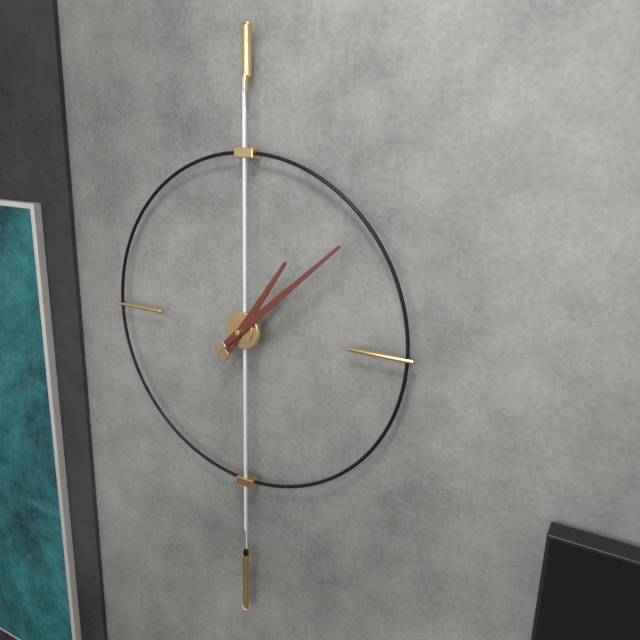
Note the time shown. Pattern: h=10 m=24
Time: h=1 m=8
